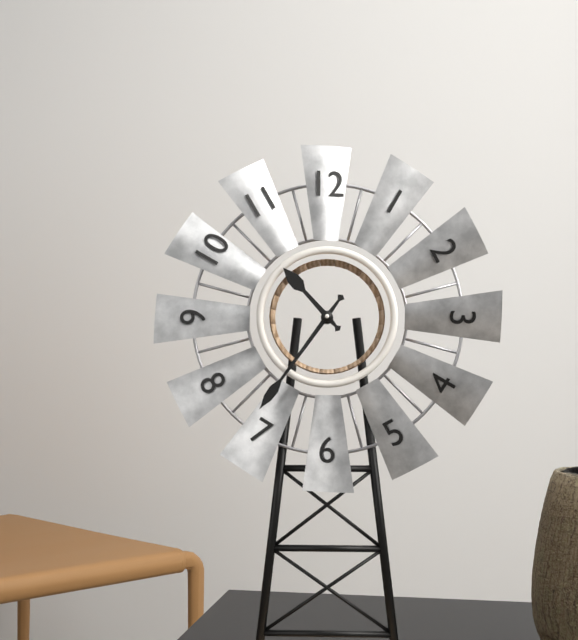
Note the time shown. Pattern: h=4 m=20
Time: h=10 m=36
